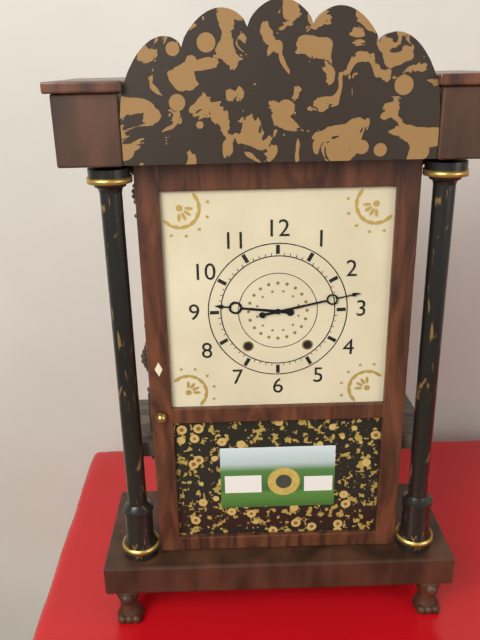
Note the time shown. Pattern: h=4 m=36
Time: h=9 m=13
